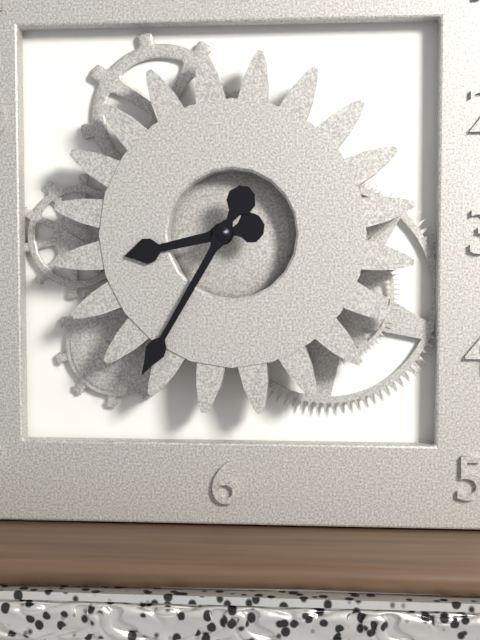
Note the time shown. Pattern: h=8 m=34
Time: h=8 m=35
